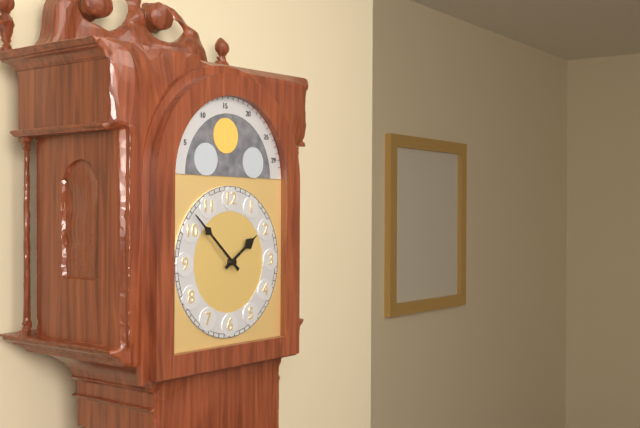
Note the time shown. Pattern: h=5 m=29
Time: h=1 m=52
